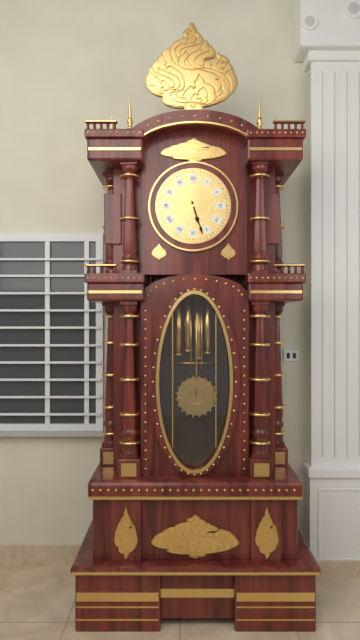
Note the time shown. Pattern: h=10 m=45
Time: h=5 m=27
